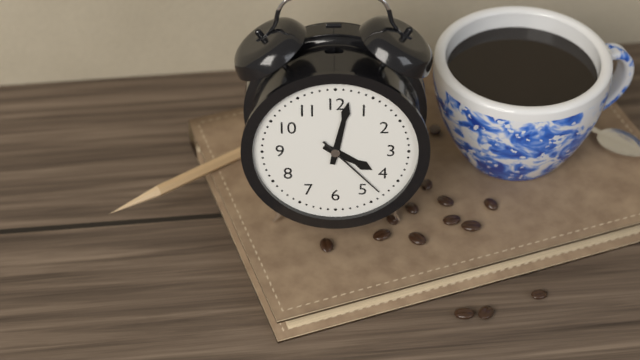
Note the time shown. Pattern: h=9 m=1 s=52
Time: h=4 m=2 s=23
